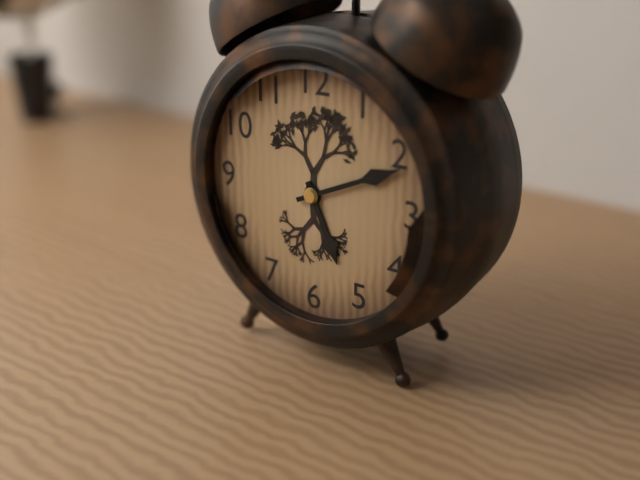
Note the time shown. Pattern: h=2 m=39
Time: h=5 m=11
